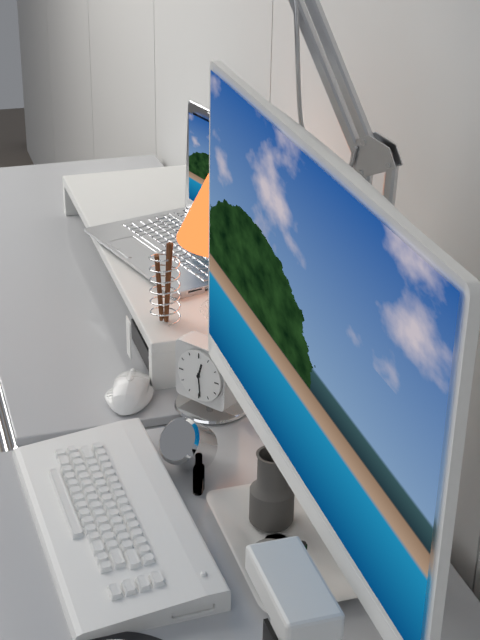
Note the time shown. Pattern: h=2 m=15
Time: h=12 m=29
